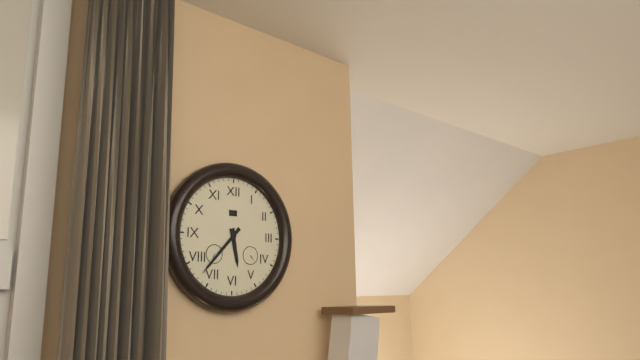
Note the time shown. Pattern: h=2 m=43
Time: h=5 m=37
